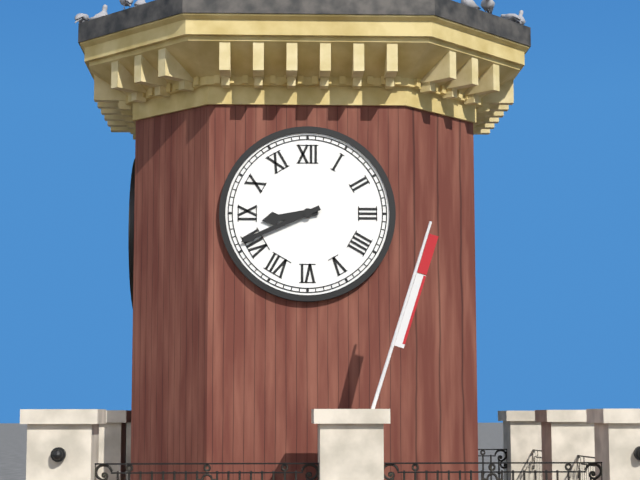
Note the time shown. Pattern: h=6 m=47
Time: h=8 m=41
